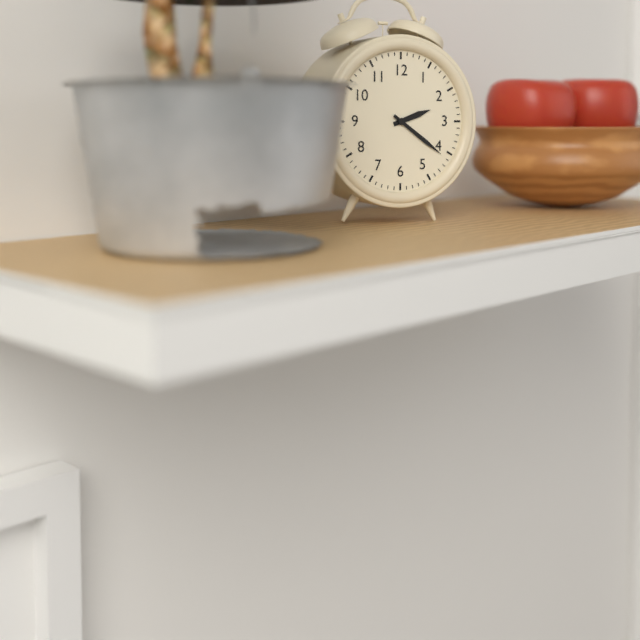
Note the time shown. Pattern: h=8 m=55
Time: h=2 m=21
